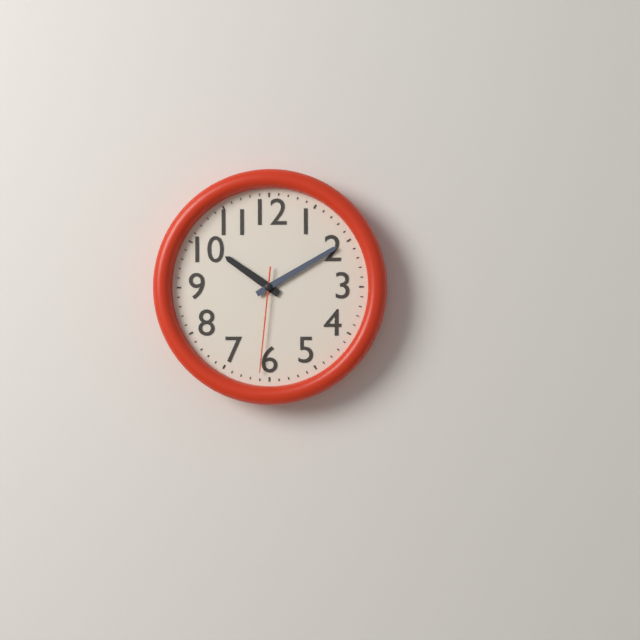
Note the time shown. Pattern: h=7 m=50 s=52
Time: h=10 m=10 s=31
